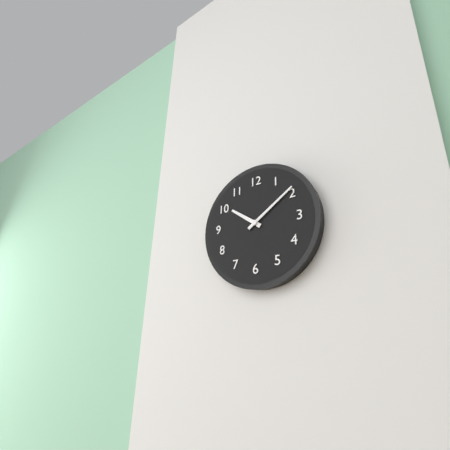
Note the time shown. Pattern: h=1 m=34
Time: h=10 m=9
